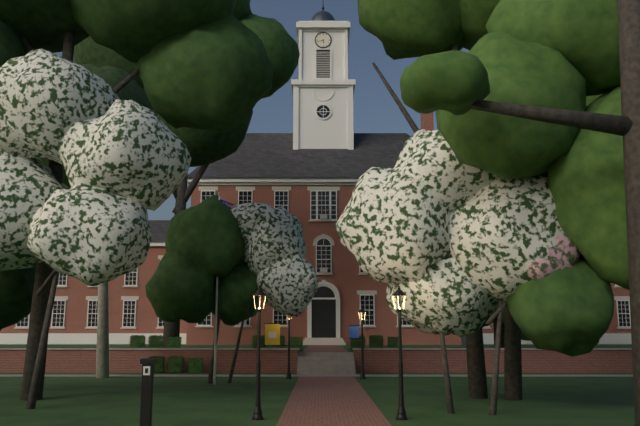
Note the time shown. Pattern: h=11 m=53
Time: h=5 m=42
